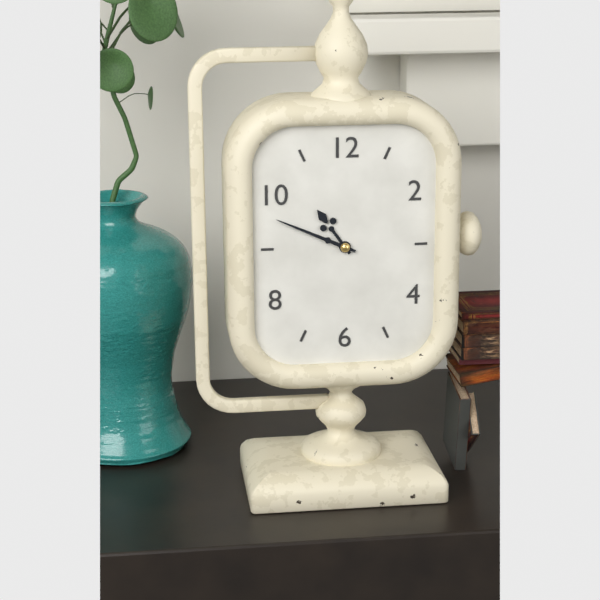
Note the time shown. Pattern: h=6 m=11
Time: h=10 m=49
